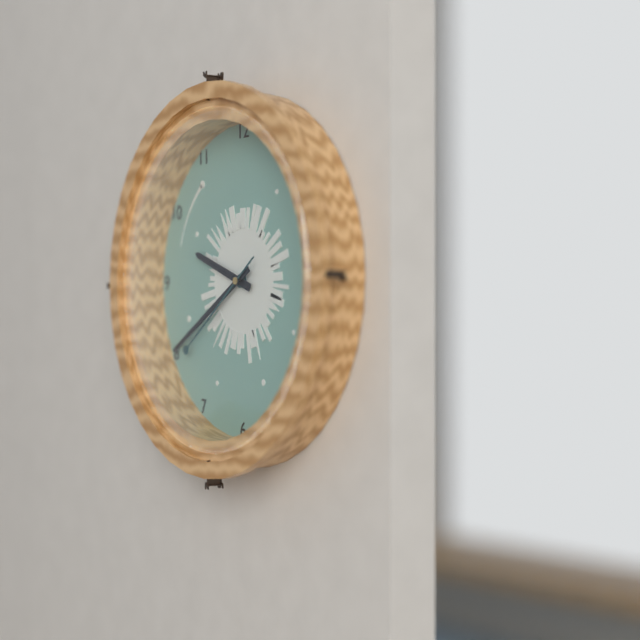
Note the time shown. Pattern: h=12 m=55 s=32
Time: h=9 m=40 s=39
